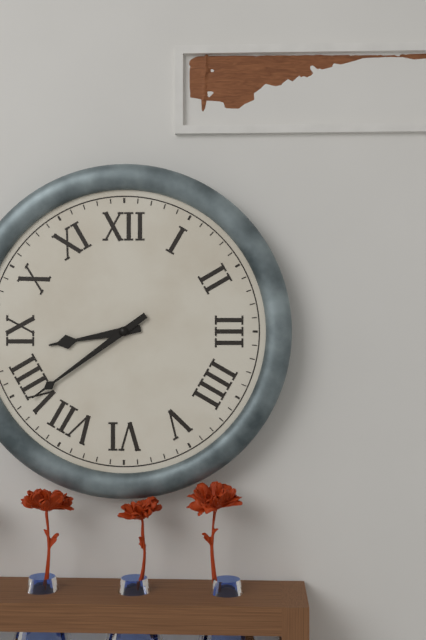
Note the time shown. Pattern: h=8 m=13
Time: h=8 m=39
